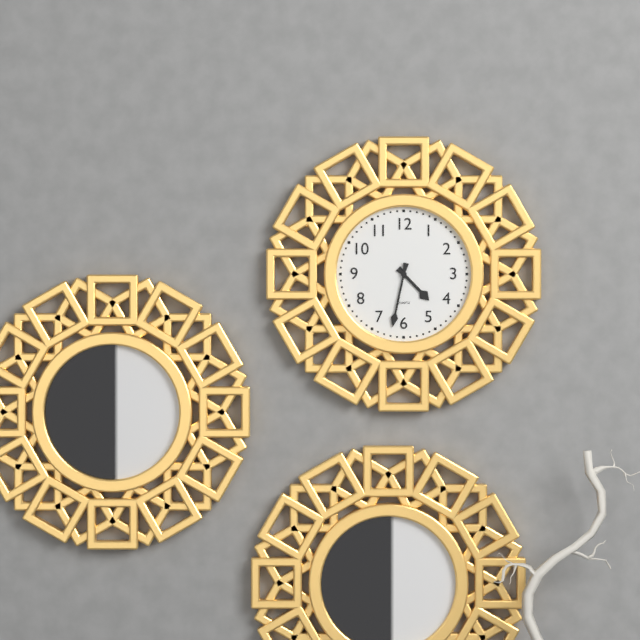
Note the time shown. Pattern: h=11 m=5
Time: h=4 m=32
